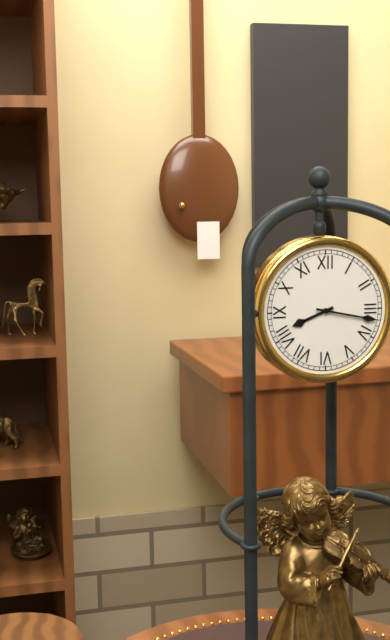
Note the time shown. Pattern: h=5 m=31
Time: h=8 m=17
